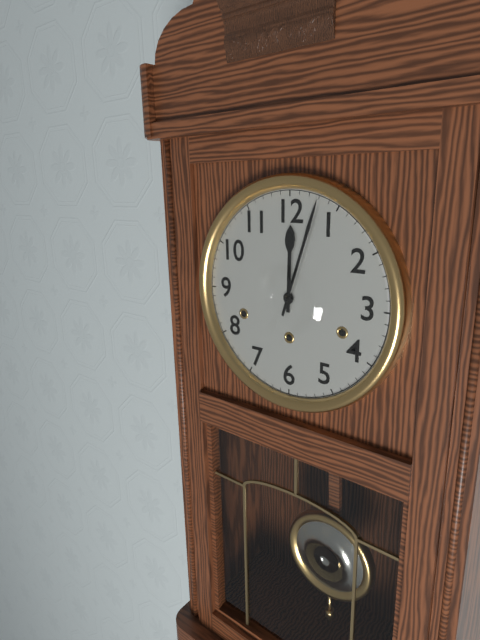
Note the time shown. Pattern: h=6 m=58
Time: h=12 m=3
